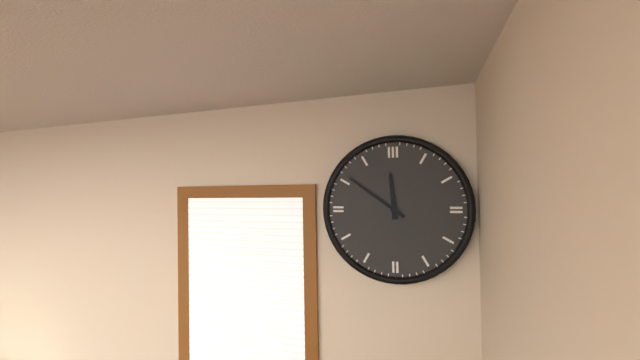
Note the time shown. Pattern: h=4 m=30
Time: h=11 m=51
